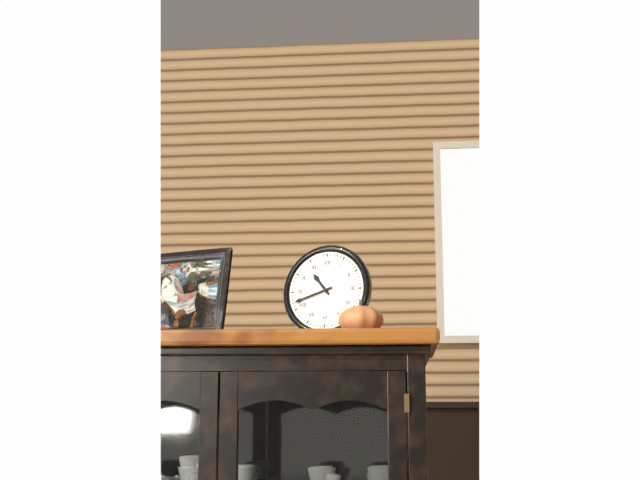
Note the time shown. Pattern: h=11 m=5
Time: h=10 m=42
